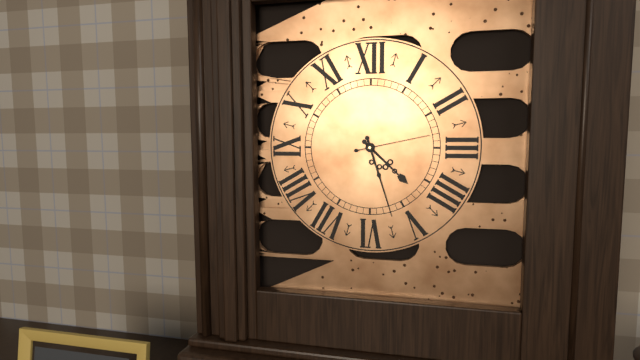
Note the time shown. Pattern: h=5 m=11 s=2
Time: h=4 m=27 s=13
